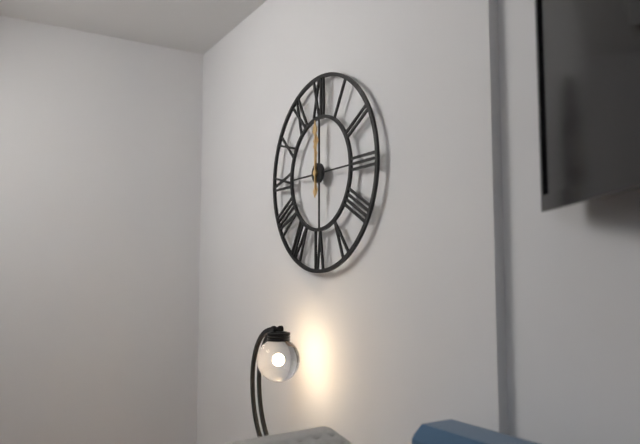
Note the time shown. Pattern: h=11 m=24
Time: h=12 m=0
